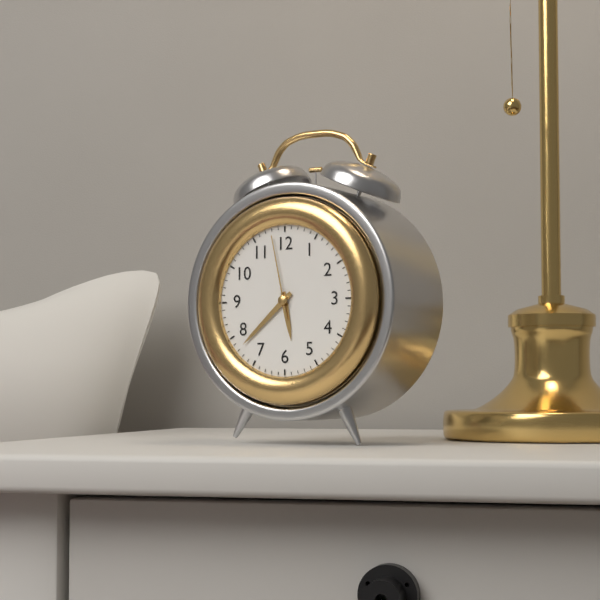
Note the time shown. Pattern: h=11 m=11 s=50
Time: h=5 m=38 s=58
